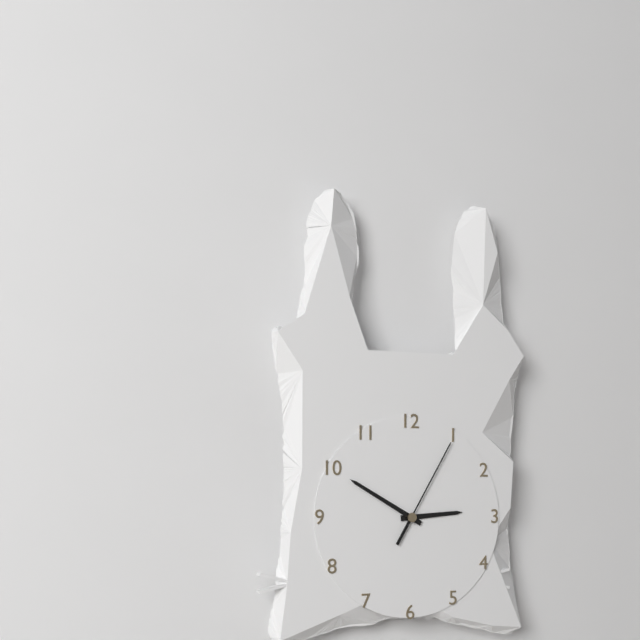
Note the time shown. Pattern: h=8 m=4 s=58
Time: h=2 m=50 s=5
